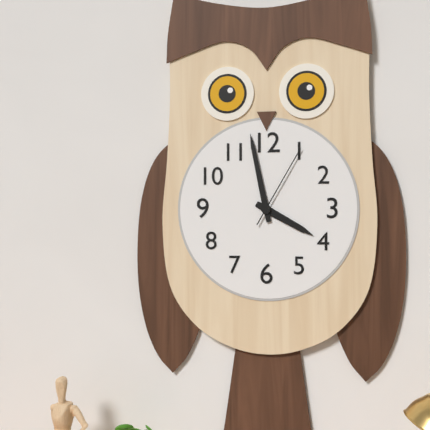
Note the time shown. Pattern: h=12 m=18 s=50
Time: h=3 m=58 s=5
